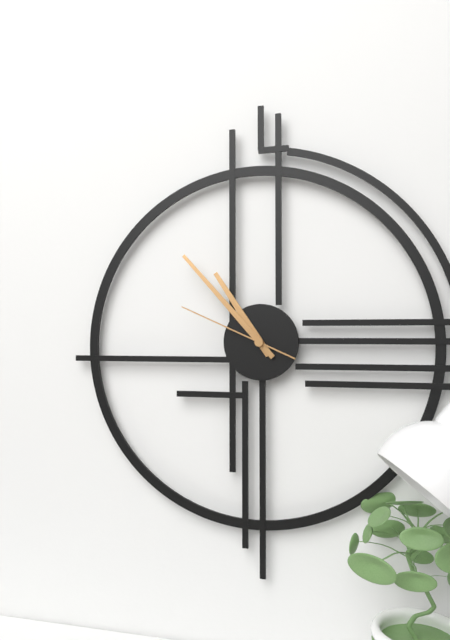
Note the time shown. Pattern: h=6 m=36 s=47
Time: h=10 m=53 s=49
